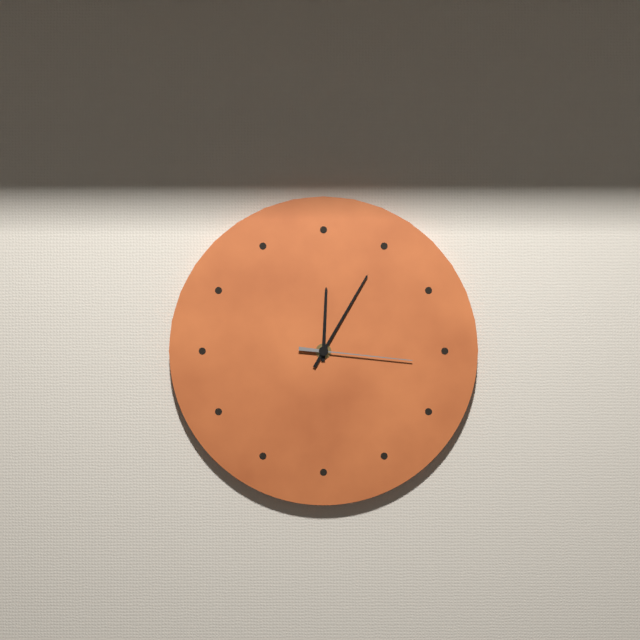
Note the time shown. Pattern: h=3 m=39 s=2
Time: h=12 m=5 s=16
